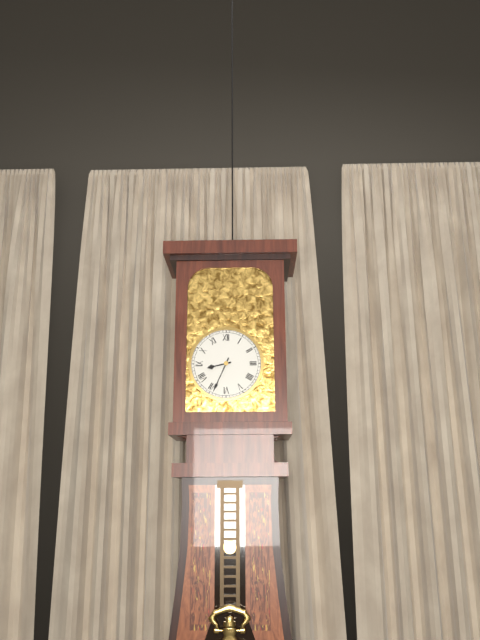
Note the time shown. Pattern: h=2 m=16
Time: h=8 m=34
